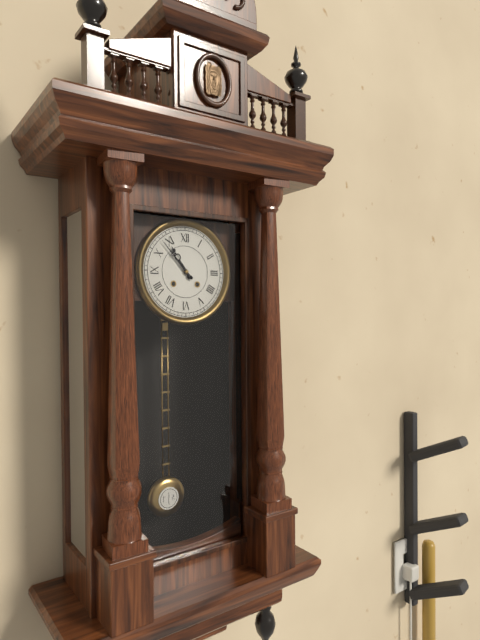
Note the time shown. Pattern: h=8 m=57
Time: h=10 m=53
